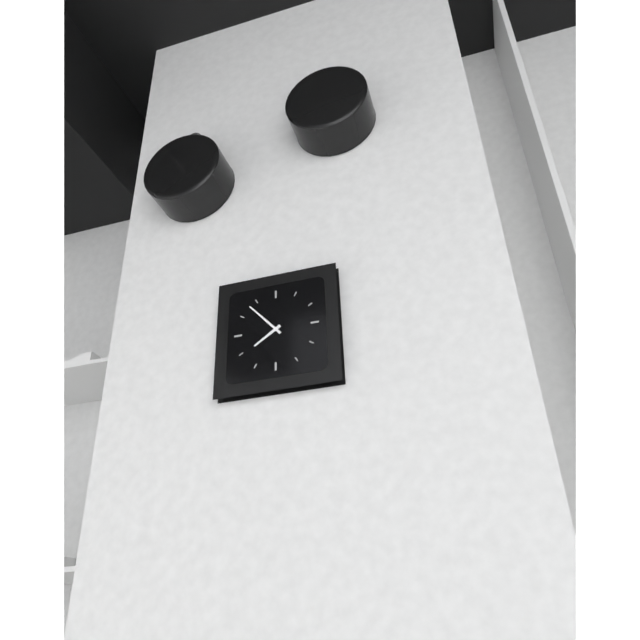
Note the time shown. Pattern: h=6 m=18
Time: h=7 m=53
